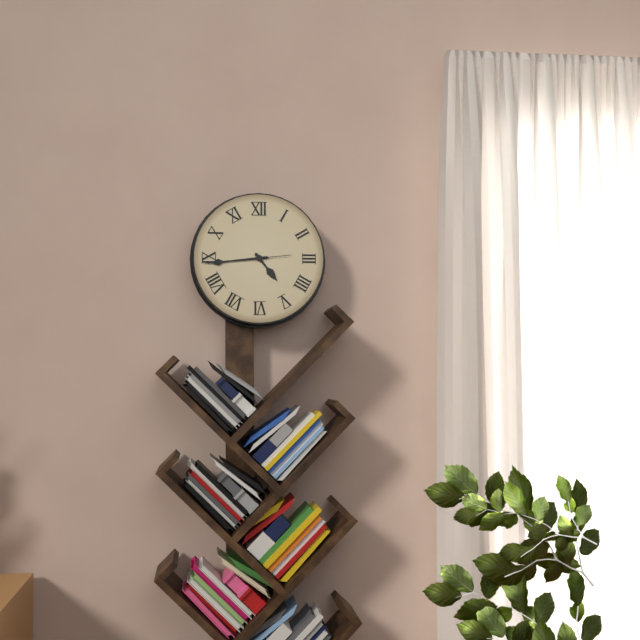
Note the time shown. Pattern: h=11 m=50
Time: h=4 m=44
